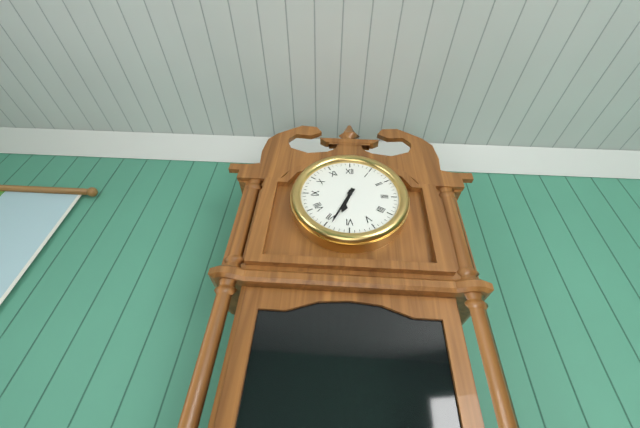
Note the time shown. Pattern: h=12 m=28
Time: h=6 m=34
